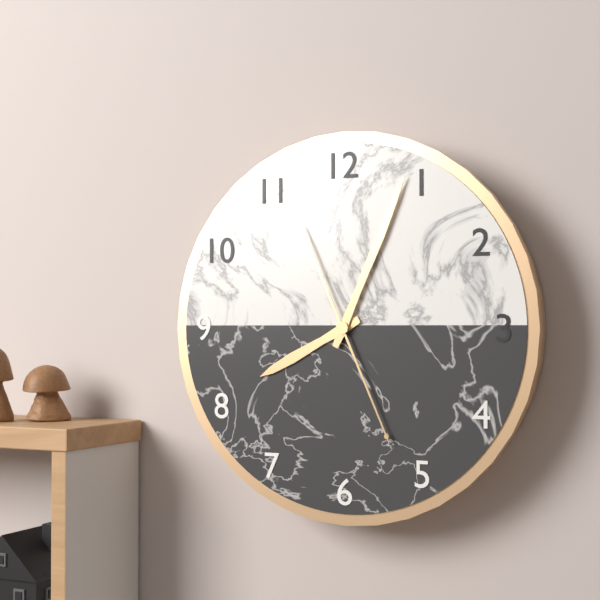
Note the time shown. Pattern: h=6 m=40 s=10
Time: h=8 m=4 s=26
